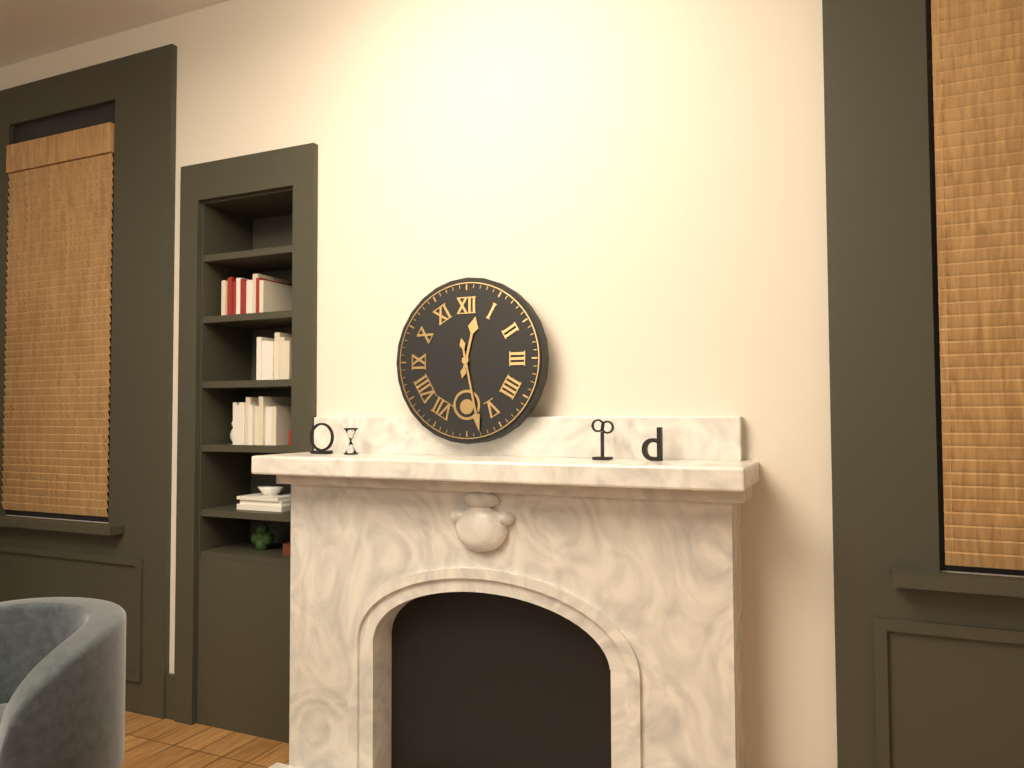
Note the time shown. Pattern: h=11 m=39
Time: h=12 m=28
